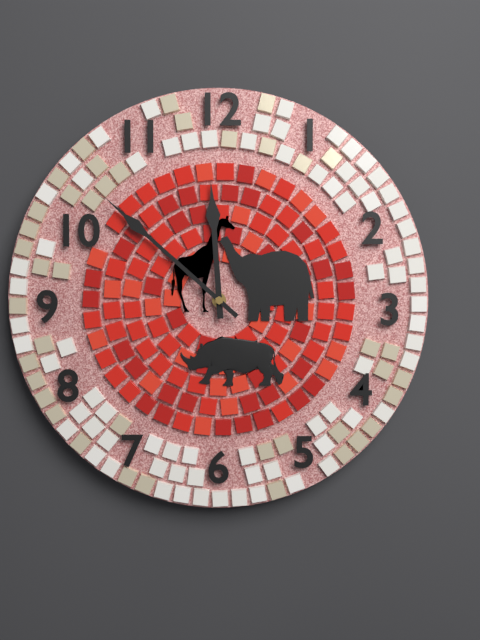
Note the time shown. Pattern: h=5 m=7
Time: h=11 m=52
